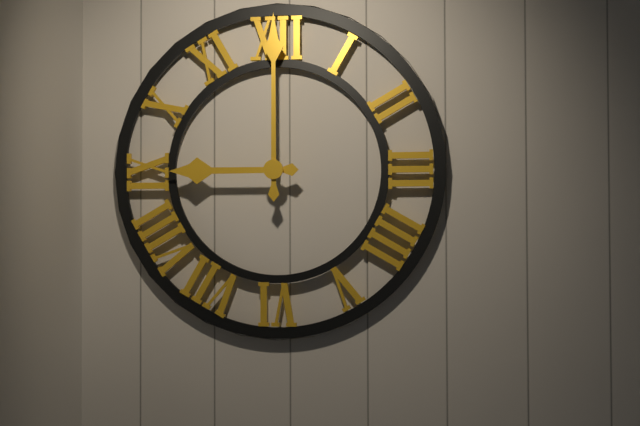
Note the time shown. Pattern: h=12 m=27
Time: h=9 m=0
